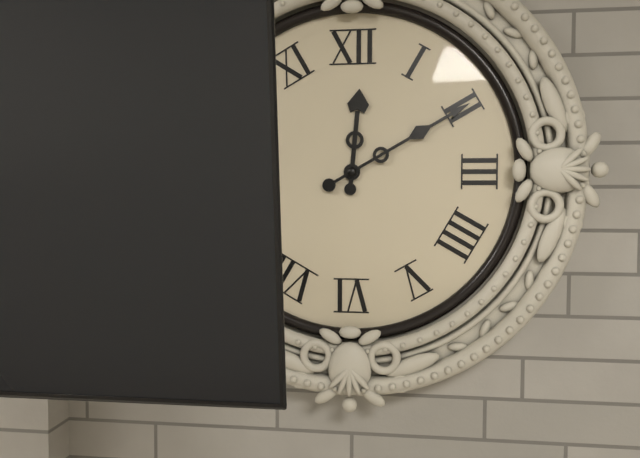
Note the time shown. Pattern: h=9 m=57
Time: h=12 m=10
